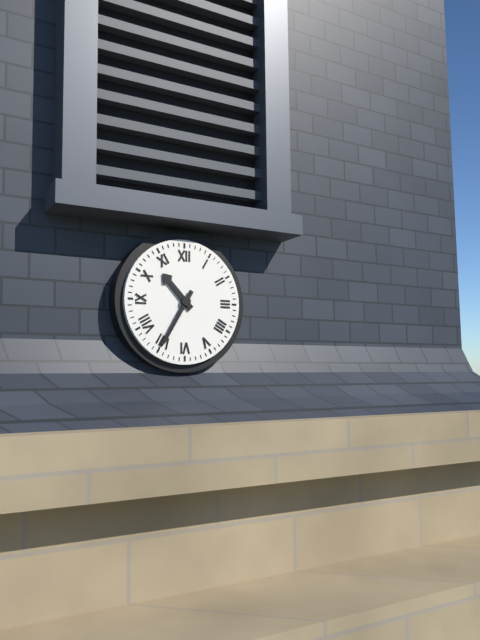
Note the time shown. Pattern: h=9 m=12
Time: h=10 m=35
